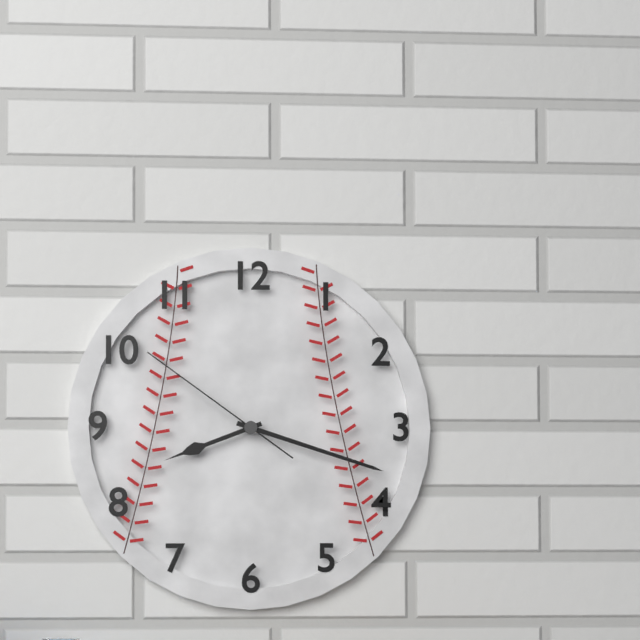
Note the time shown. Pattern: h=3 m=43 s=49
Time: h=8 m=18 s=51
